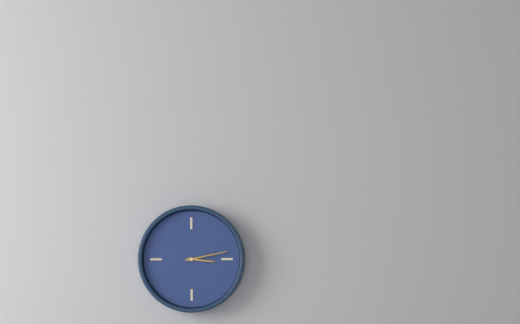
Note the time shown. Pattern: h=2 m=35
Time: h=3 m=13
